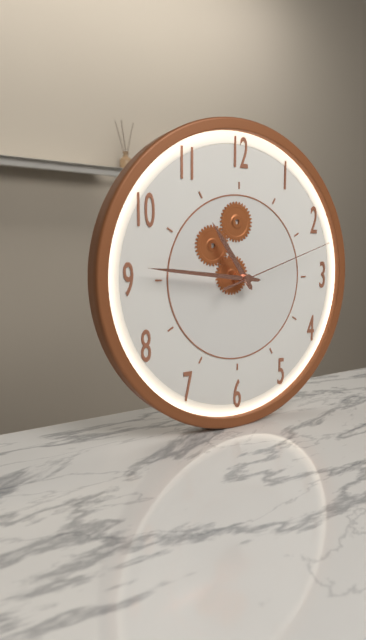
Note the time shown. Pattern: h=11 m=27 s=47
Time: h=10 m=46 s=12
